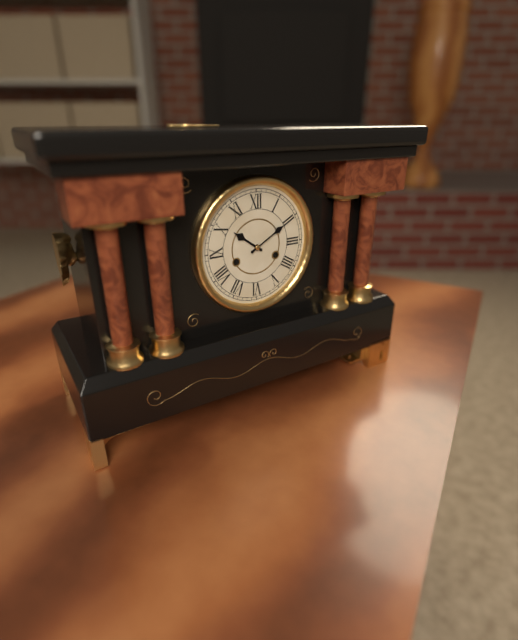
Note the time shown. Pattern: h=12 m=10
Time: h=10 m=10
